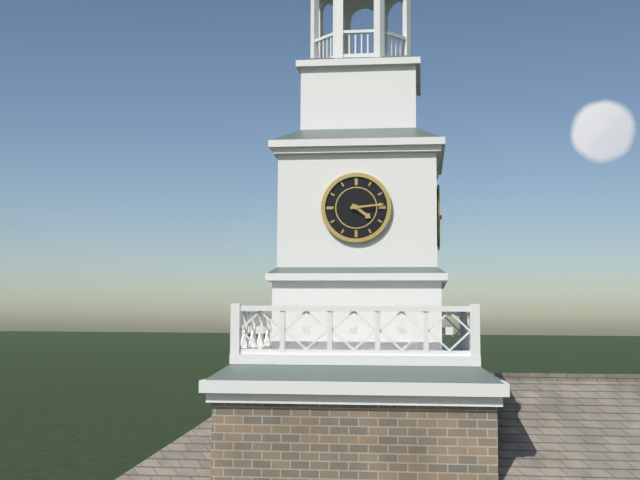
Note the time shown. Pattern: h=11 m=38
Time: h=4 m=14
